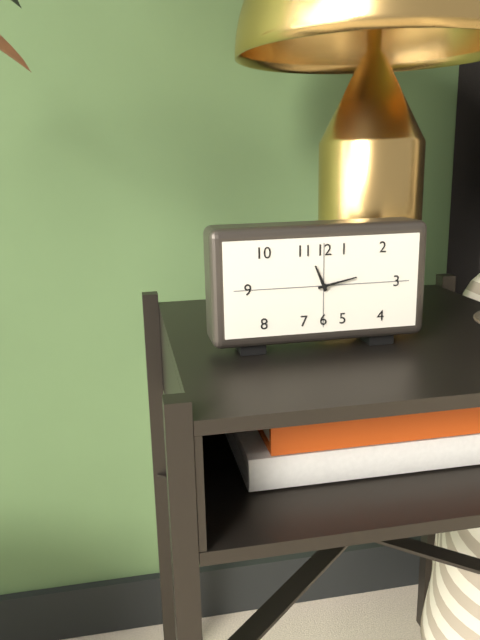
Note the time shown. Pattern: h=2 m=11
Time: h=11 m=13
